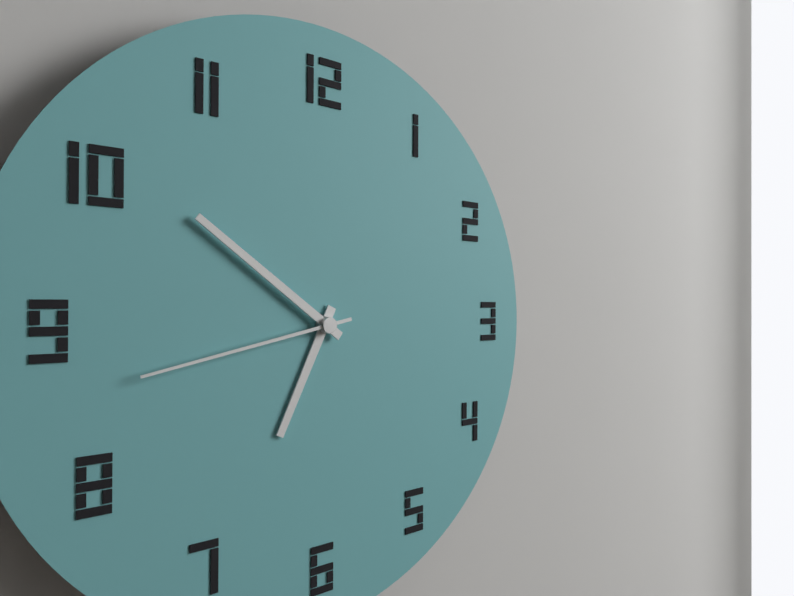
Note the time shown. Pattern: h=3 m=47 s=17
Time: h=6 m=51 s=43
